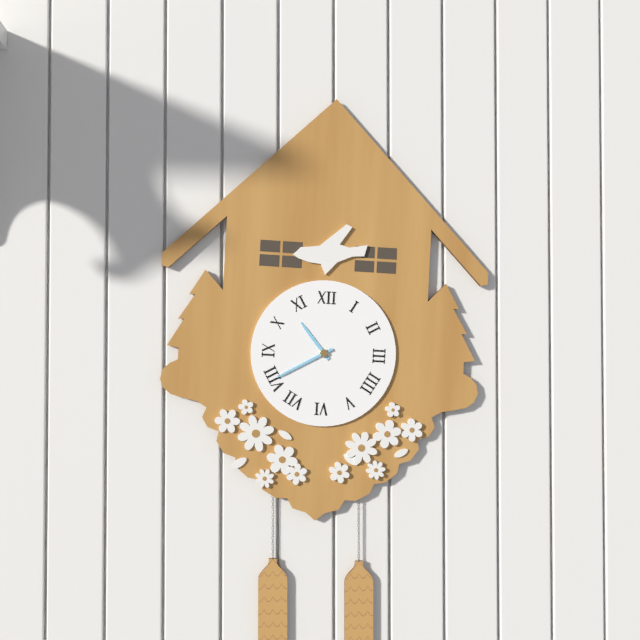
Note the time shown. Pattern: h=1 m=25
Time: h=10 m=40
